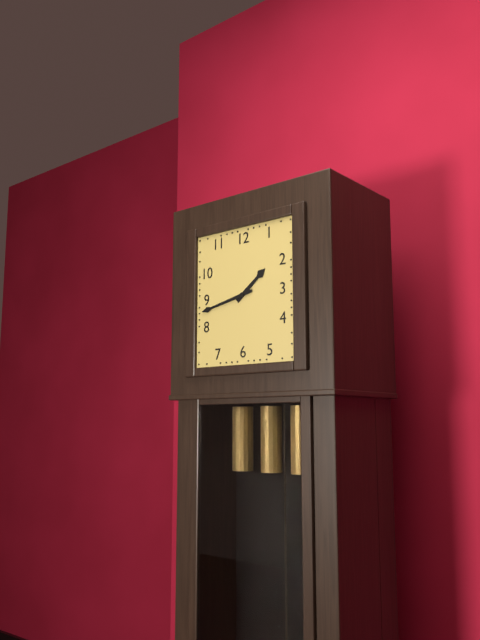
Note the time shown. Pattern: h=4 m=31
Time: h=1 m=43
